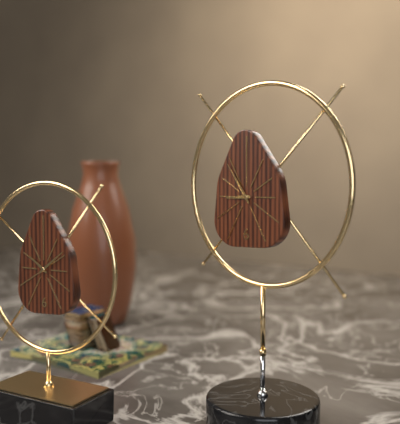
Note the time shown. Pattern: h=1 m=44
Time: h=8 m=54
